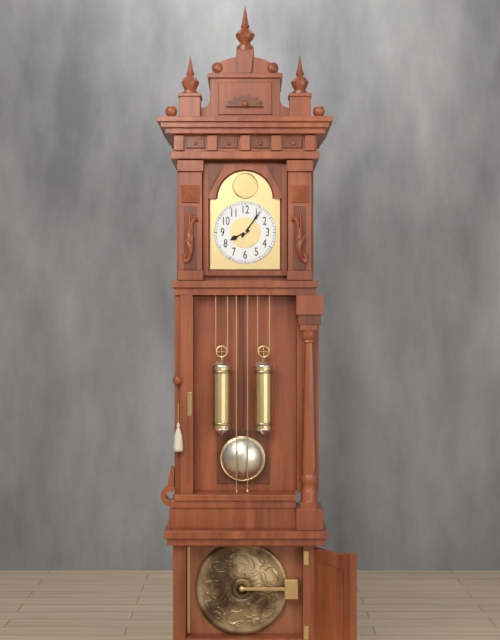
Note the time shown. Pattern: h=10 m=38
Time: h=8 m=6
